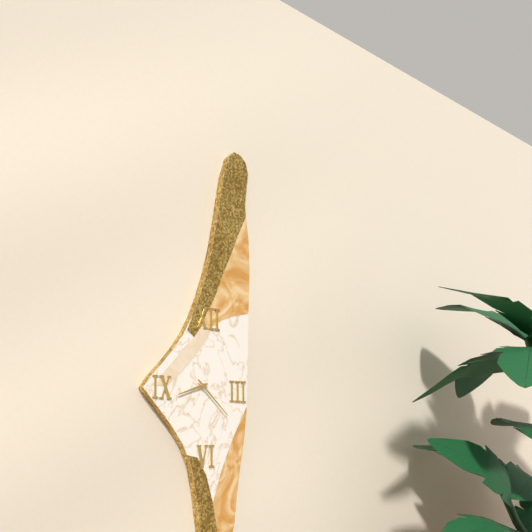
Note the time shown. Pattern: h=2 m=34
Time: h=8 m=22
